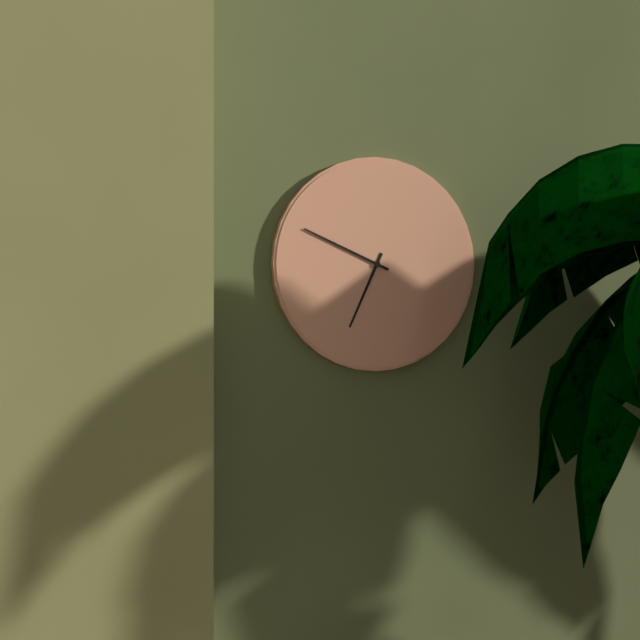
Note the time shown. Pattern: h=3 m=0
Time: h=6 m=49
